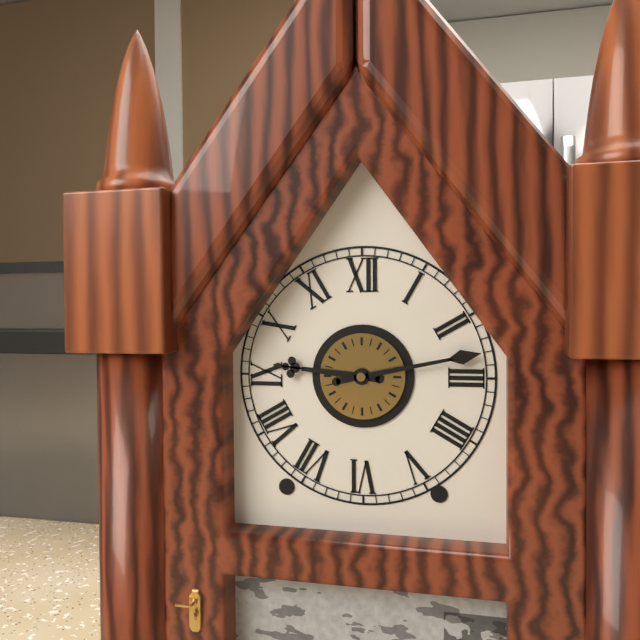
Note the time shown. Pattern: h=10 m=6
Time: h=9 m=13
